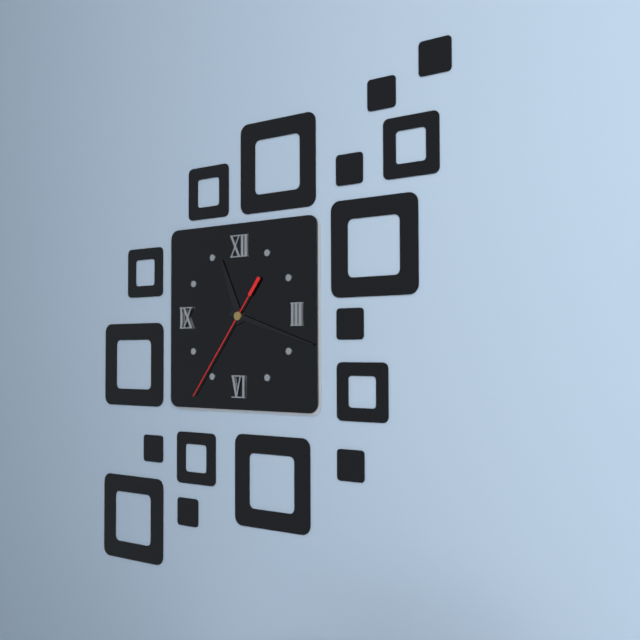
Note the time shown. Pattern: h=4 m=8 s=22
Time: h=11 m=18 s=36
